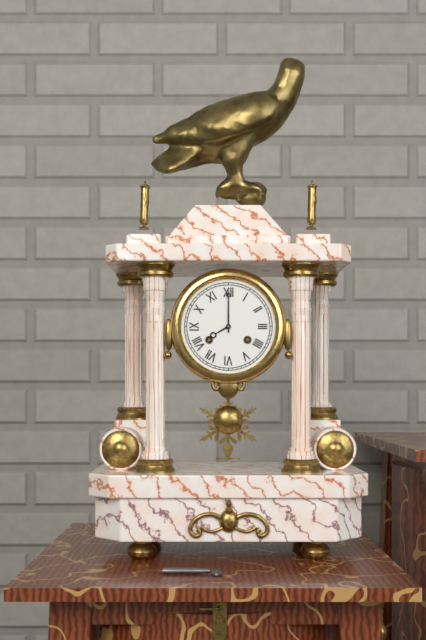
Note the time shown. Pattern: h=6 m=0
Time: h=8 m=0
